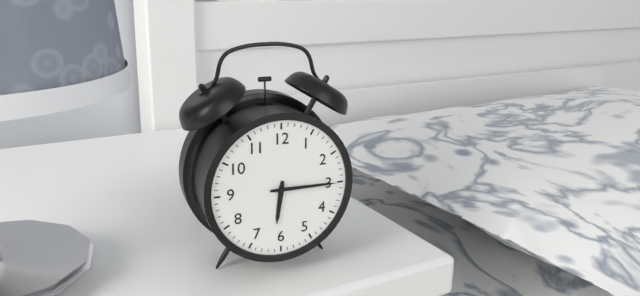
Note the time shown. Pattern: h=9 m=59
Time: h=6 m=15
